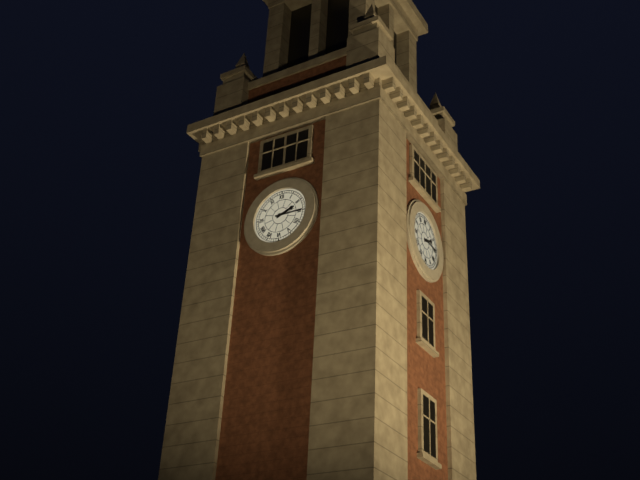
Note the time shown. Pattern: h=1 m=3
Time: h=2 m=15
